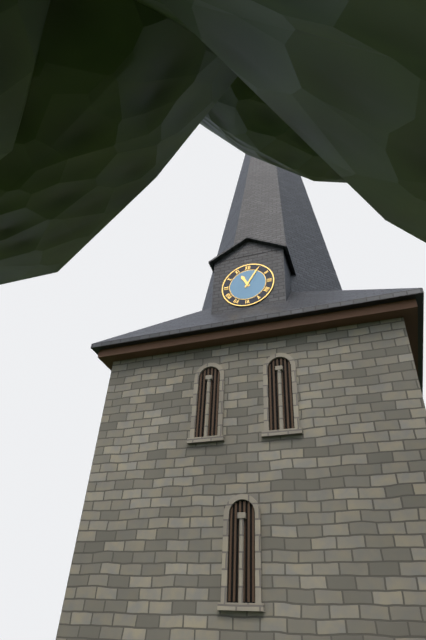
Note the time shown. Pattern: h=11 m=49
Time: h=11 m=5
